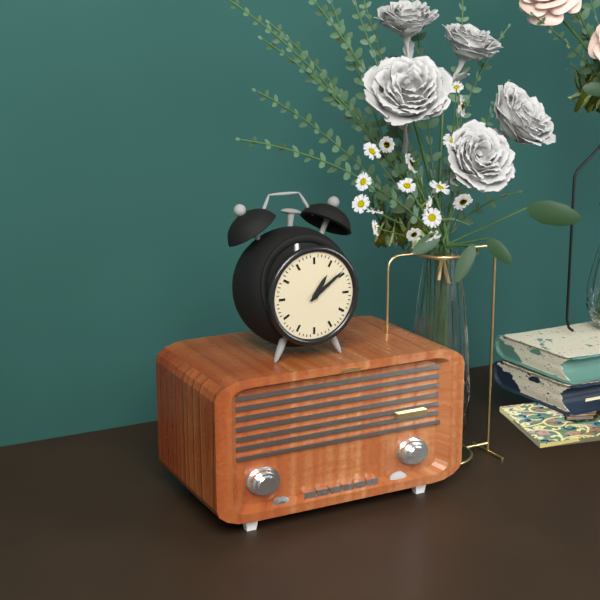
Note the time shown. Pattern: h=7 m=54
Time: h=1 m=9
